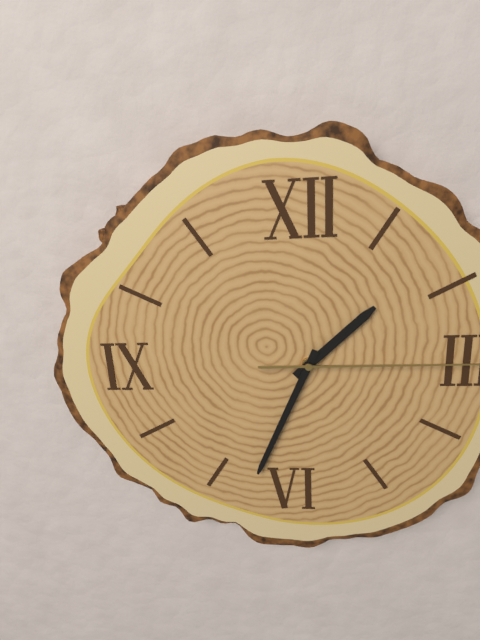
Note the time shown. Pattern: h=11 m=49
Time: h=1 m=34
